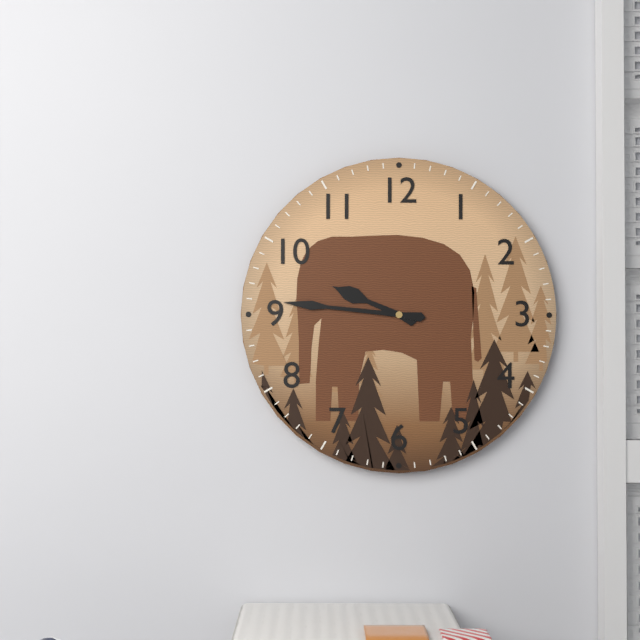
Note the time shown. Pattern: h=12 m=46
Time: h=9 m=46
